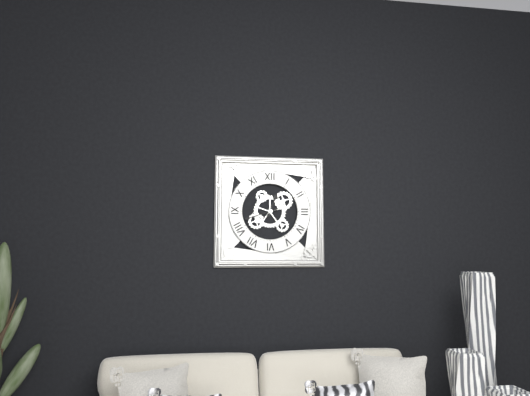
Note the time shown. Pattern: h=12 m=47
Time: h=12 m=42
